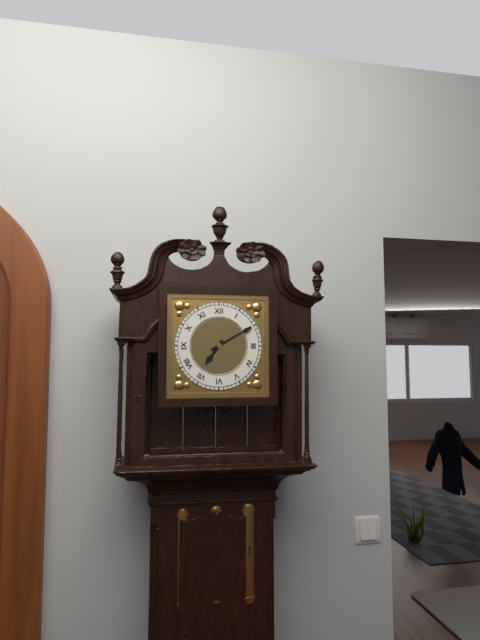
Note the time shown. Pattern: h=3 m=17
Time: h=7 m=10
